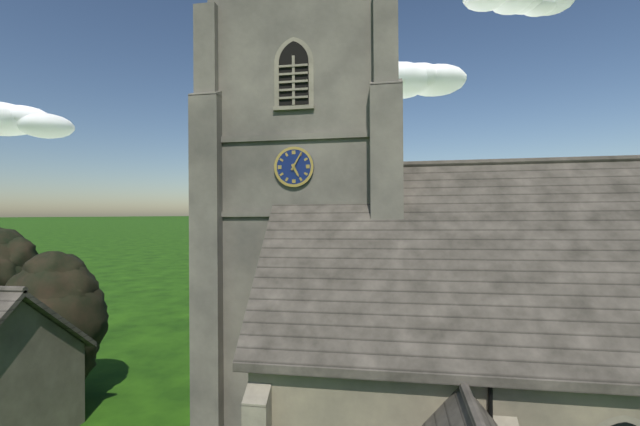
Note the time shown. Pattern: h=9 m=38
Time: h=5 m=5
